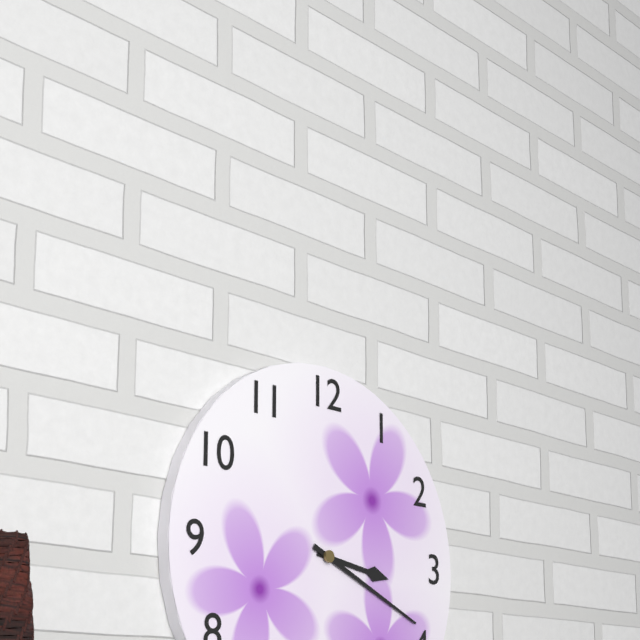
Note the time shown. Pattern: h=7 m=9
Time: h=3 m=19
